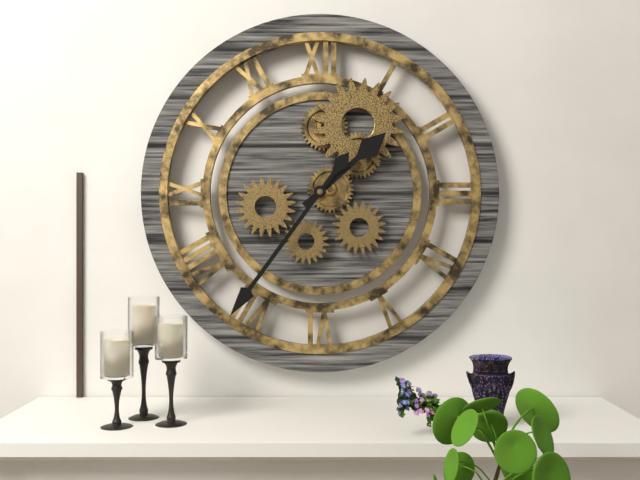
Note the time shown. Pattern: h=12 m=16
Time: h=1 m=36
